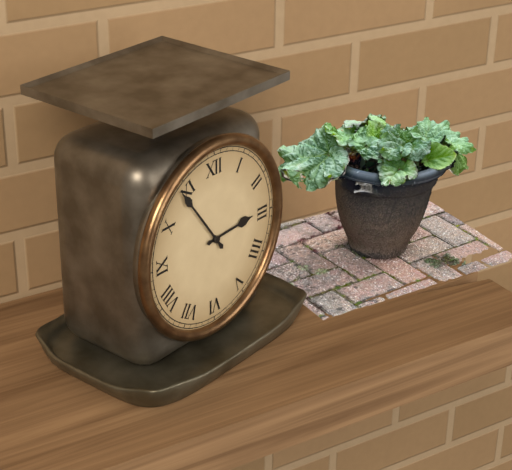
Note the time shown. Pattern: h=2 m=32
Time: h=2 m=54
